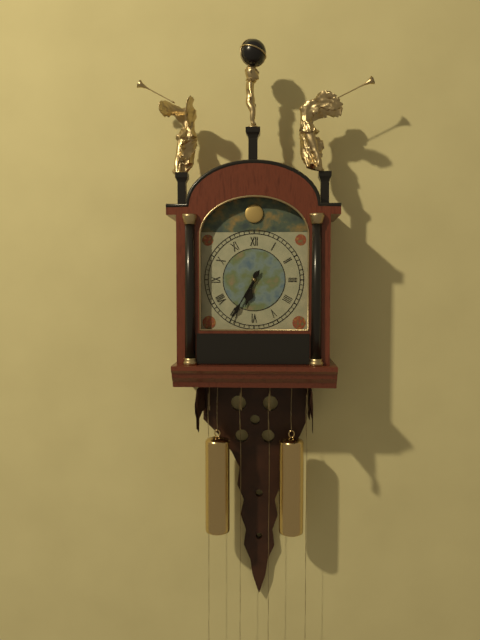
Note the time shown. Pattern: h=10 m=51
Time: h=6 m=35
